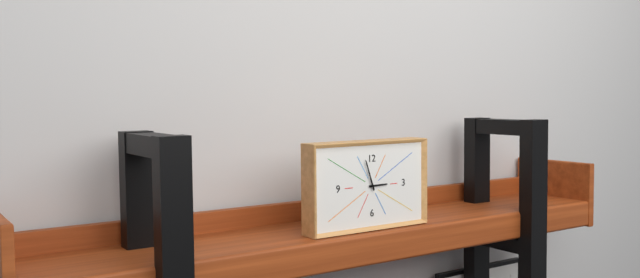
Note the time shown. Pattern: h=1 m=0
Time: h=2 m=57
